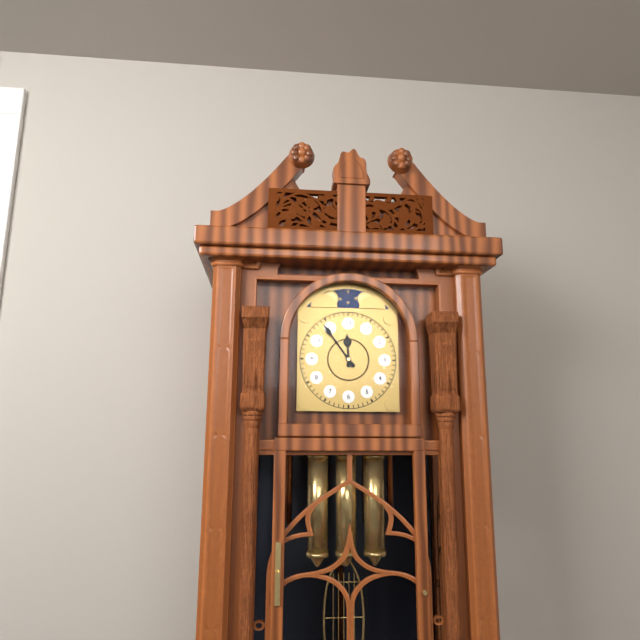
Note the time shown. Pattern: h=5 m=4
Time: h=11 m=54
